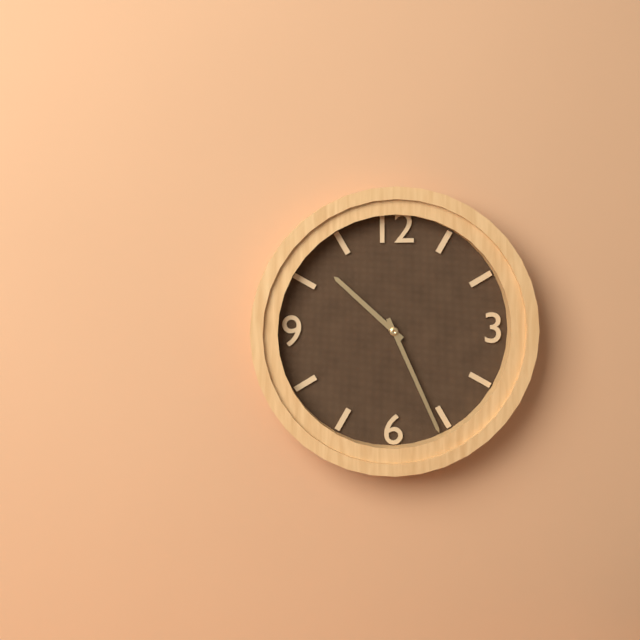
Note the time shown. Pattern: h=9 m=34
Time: h=10 m=26
